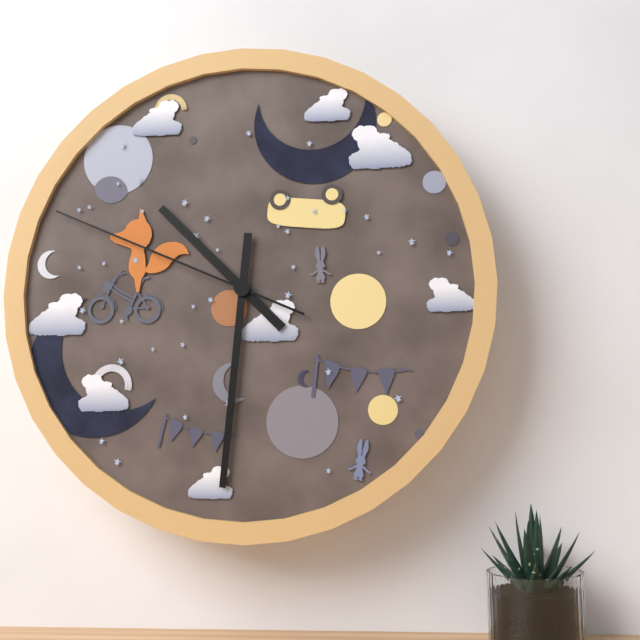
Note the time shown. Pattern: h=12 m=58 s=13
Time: h=10 m=31 s=49
